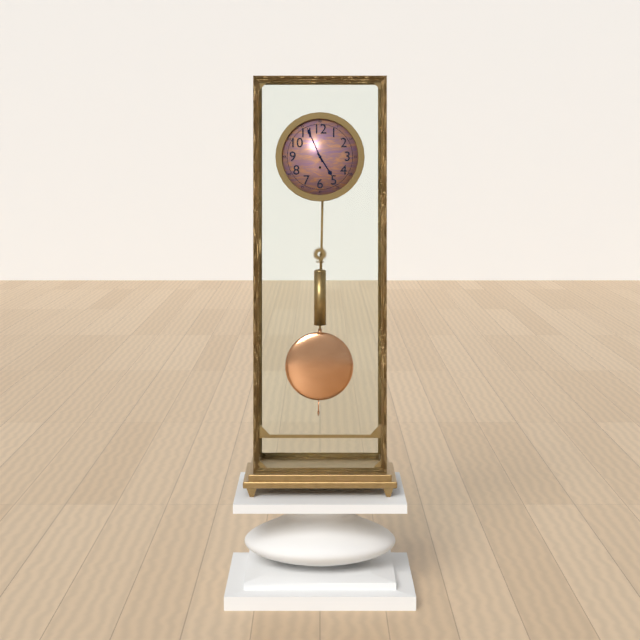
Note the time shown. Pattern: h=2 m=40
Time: h=4 m=56
